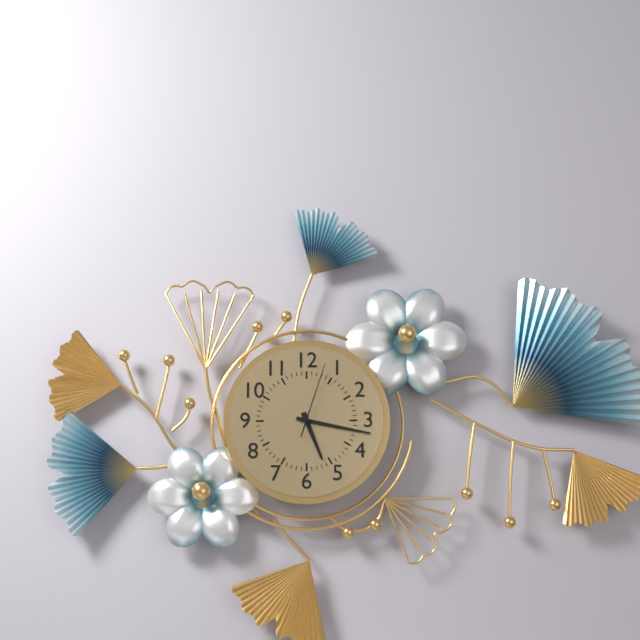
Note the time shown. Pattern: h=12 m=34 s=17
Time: h=5 m=17 s=3
